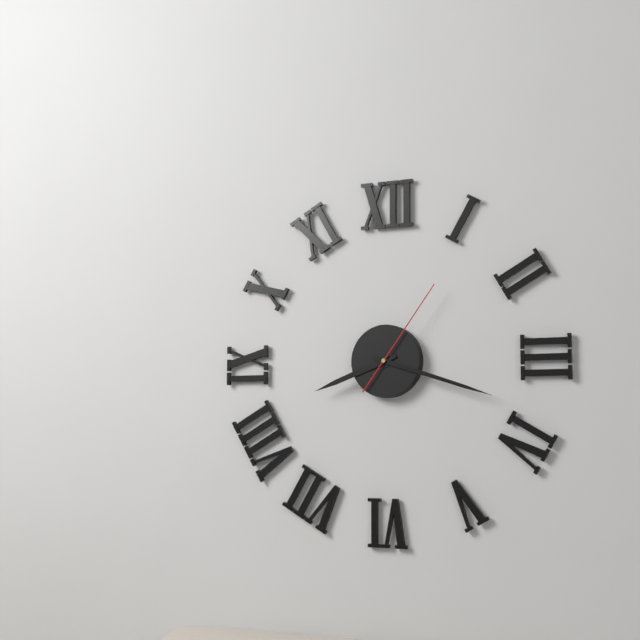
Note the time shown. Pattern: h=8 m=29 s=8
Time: h=8 m=18 s=6
